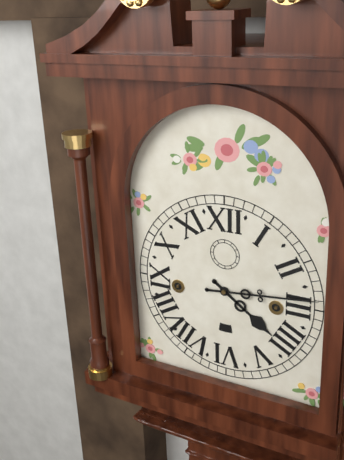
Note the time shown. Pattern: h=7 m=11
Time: h=4 m=14
